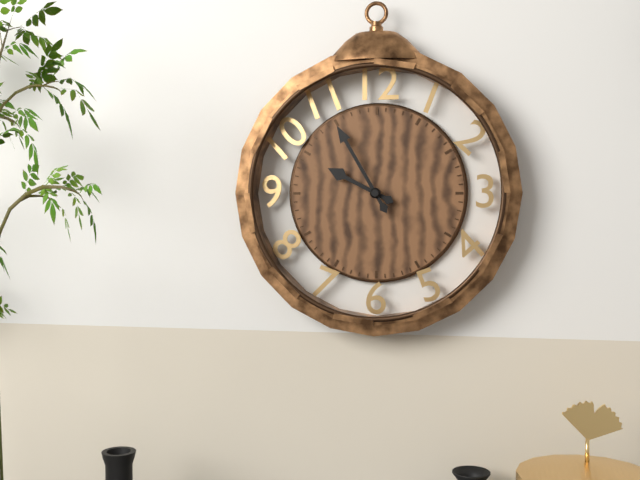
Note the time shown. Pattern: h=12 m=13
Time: h=9 m=55
